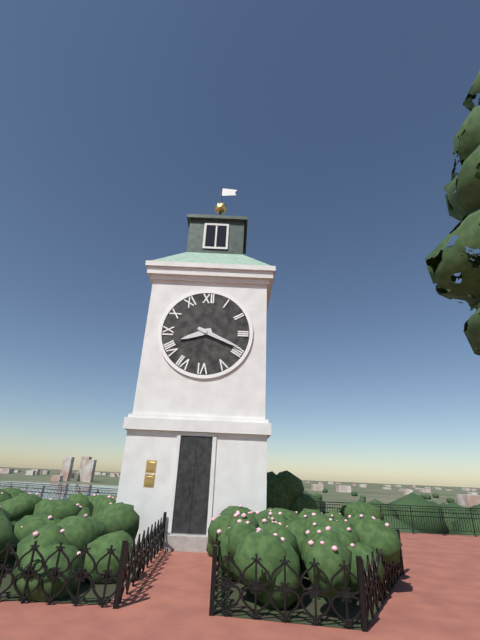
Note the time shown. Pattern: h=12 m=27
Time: h=8 m=19
